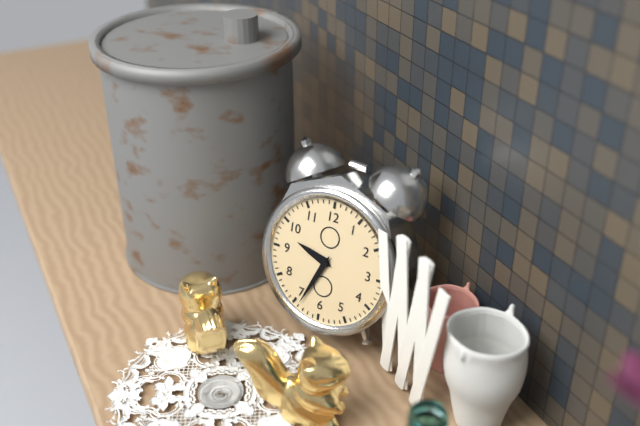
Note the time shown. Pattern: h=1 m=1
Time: h=9 m=34
